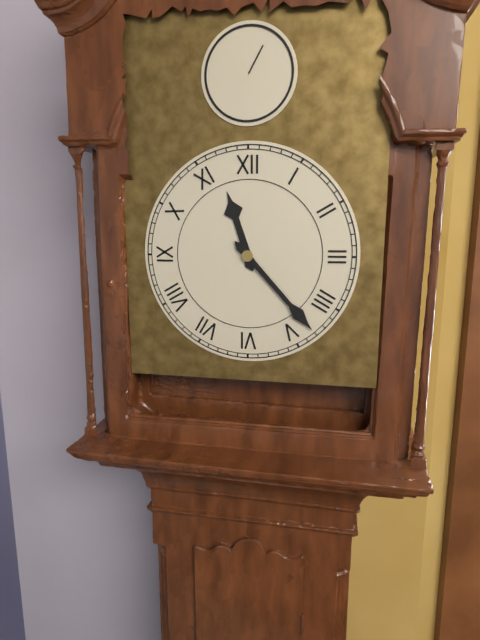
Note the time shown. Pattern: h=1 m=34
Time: h=11 m=23
